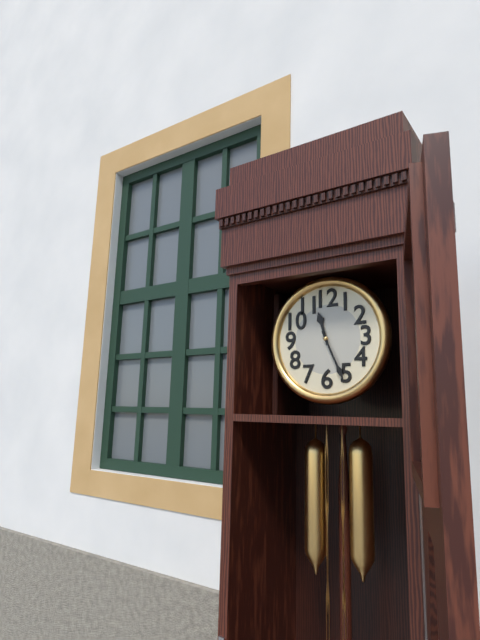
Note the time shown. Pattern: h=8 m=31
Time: h=11 m=26
